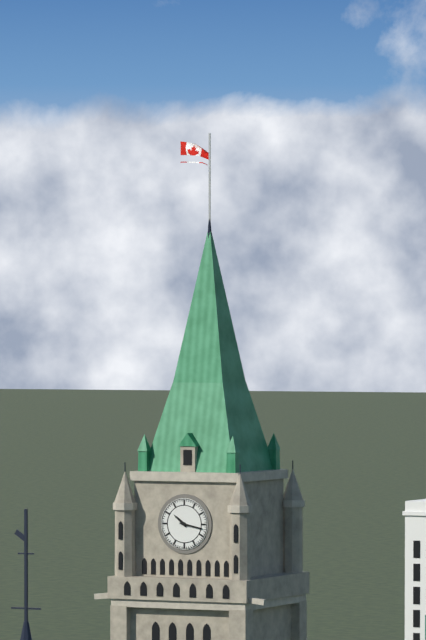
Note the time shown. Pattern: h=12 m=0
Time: h=10 m=17
